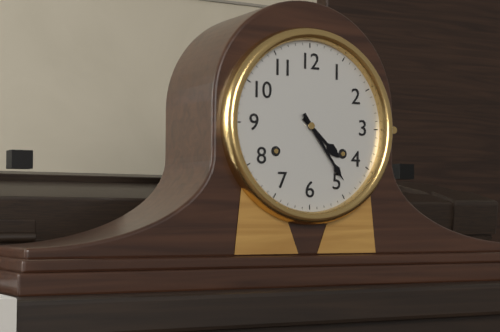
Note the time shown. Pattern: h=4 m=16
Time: h=4 m=24
